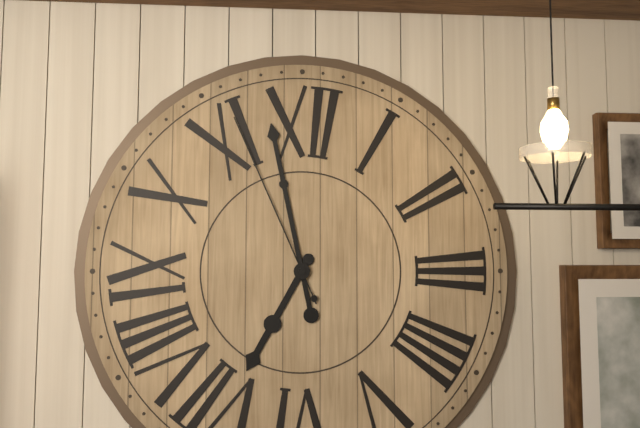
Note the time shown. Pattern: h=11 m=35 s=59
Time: h=6 m=58 s=56
